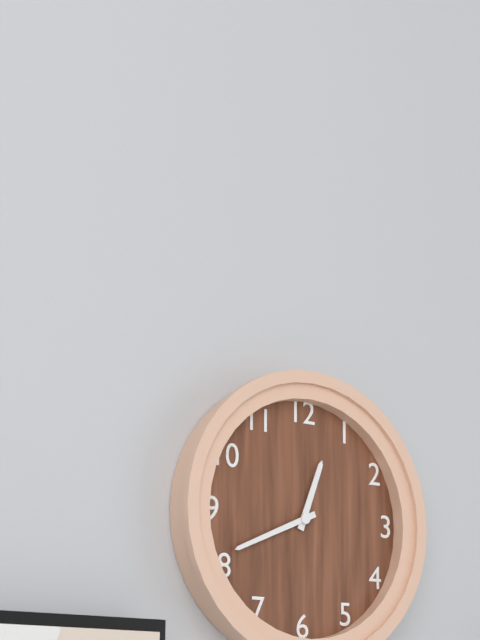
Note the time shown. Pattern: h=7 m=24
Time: h=12 m=41
